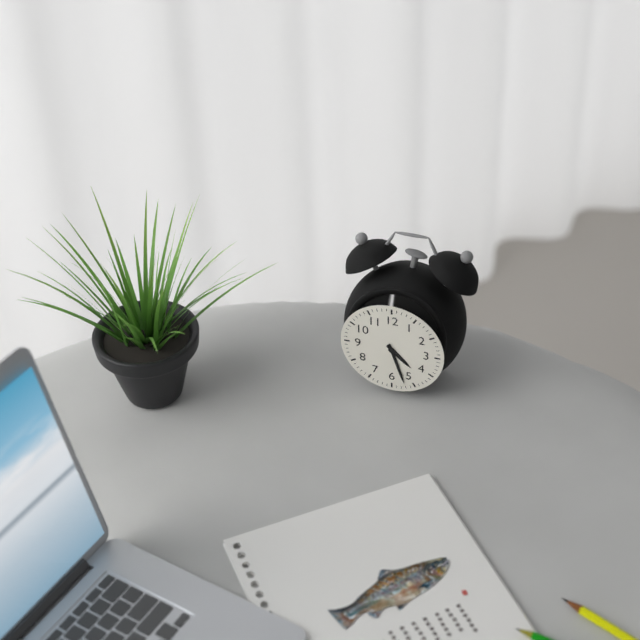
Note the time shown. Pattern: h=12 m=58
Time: h=4 m=27
